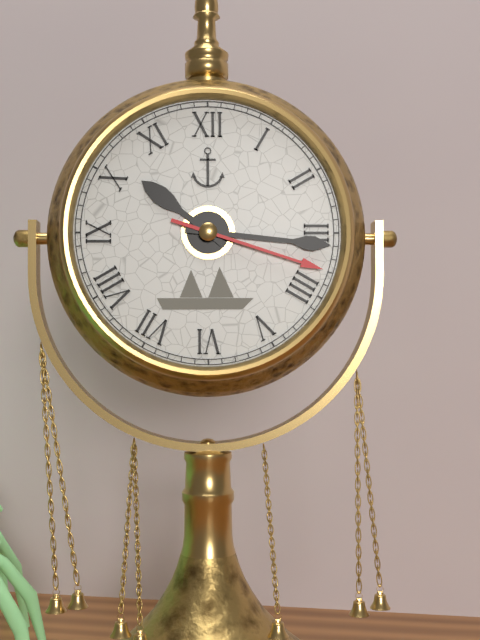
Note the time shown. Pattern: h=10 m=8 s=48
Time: h=10 m=16 s=18
